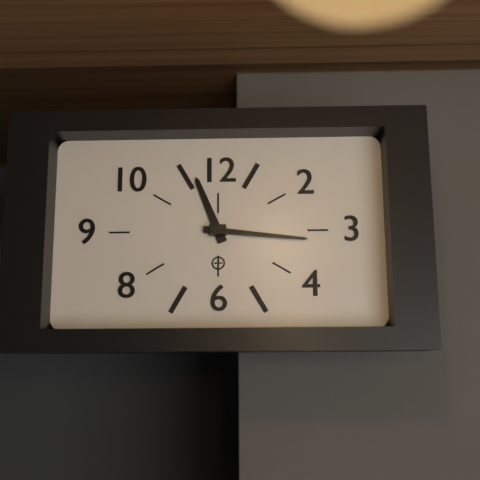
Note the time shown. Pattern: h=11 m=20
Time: h=11 m=16
